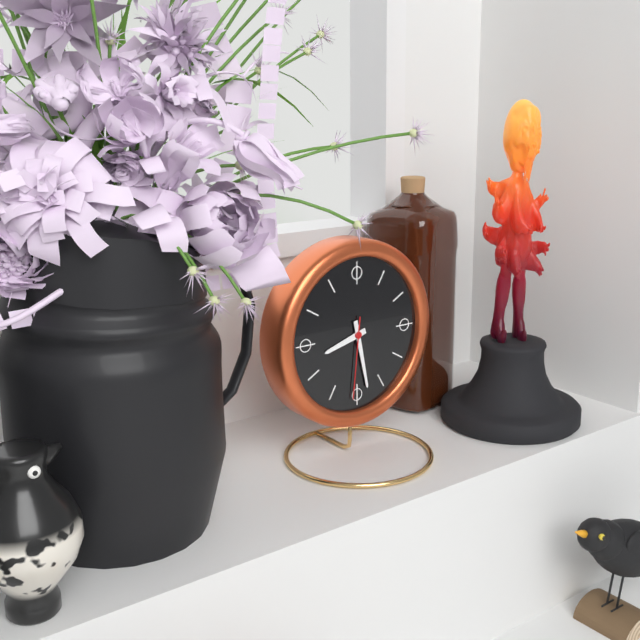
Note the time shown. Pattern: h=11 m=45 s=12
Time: h=8 m=28 s=31
